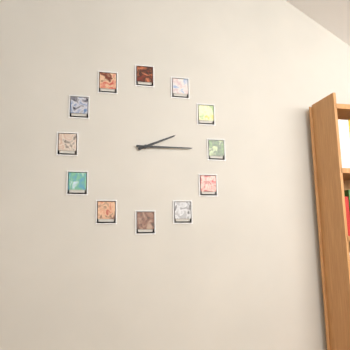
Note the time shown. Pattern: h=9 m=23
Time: h=2 m=15
